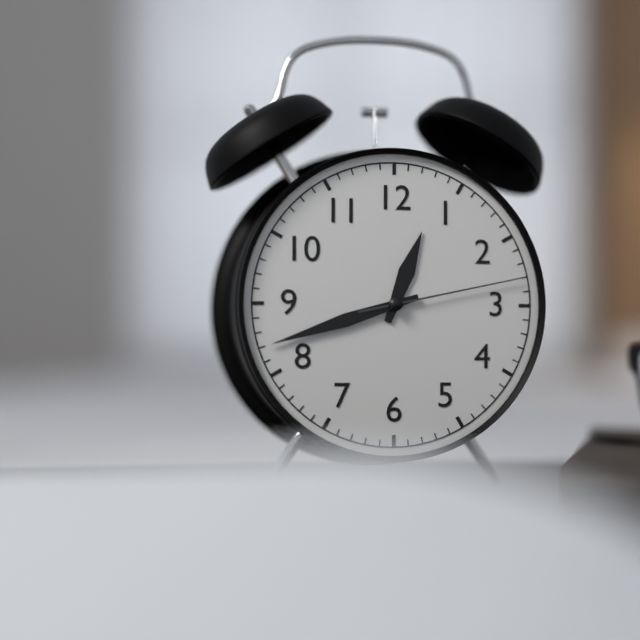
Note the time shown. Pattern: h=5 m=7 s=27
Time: h=12 m=42 s=13
